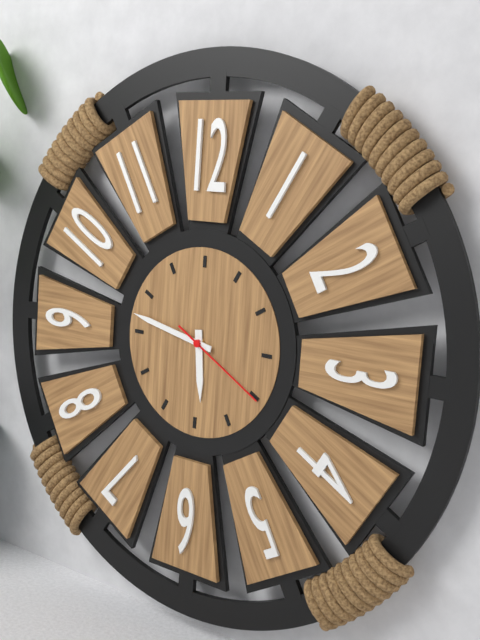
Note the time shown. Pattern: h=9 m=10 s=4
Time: h=5 m=47 s=20
